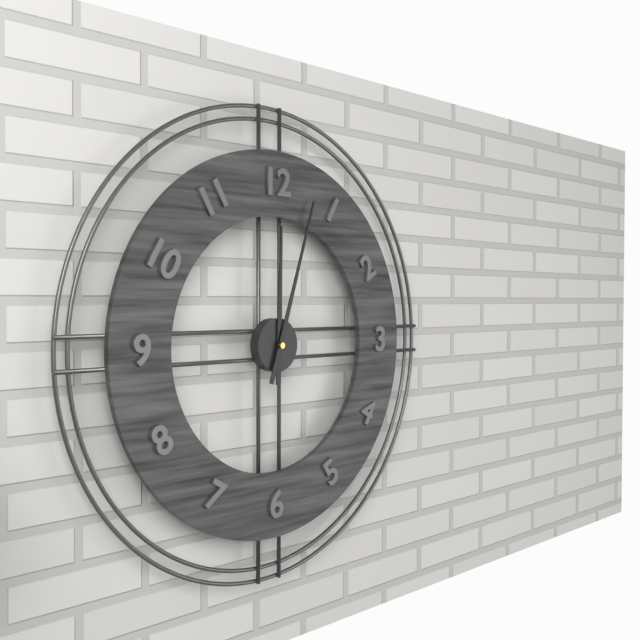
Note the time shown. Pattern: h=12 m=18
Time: h=12 m=3
